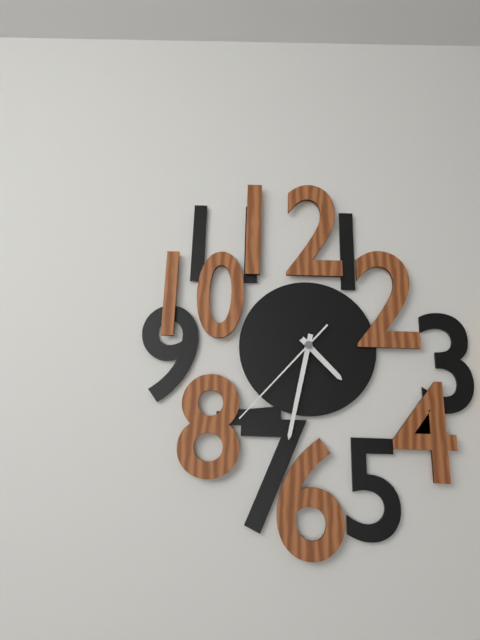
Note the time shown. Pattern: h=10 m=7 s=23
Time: h=4 m=32 s=37
